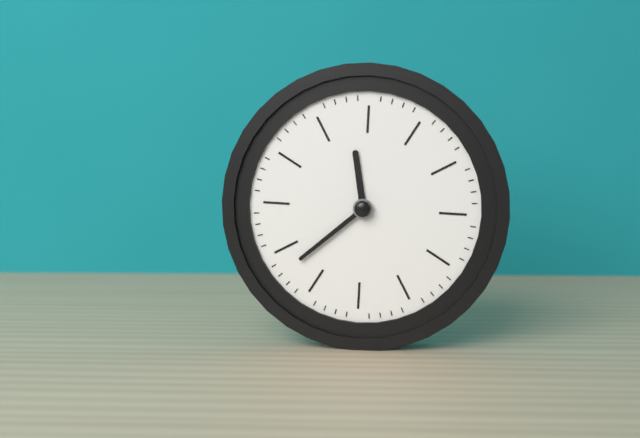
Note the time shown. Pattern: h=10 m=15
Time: h=11 m=38
